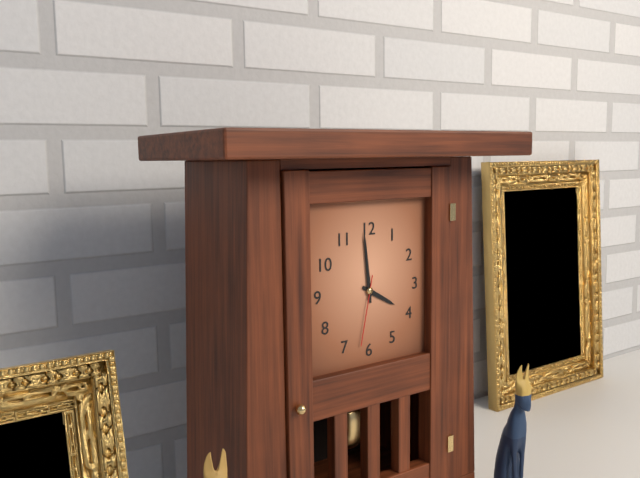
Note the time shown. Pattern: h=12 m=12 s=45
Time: h=3 m=59 s=32
